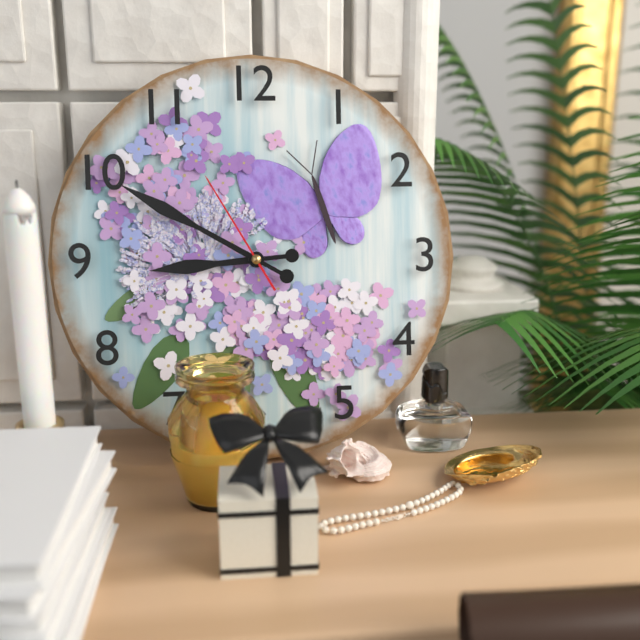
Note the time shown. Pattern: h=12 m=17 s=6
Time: h=8 m=50 s=55
